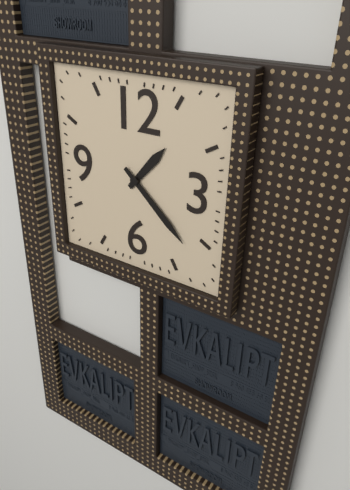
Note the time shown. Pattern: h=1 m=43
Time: h=1 m=22
